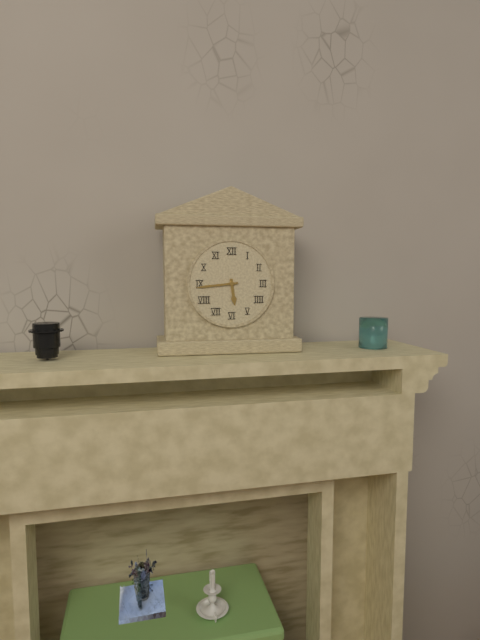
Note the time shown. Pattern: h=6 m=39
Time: h=5 m=44
